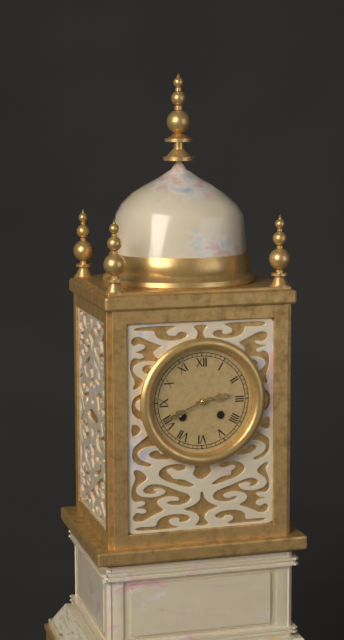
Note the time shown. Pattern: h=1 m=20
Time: h=2 m=41
